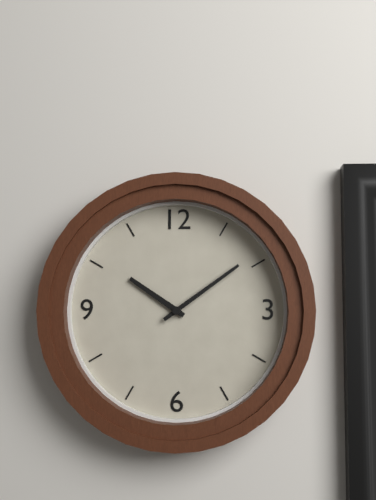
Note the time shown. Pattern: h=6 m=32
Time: h=10 m=9
